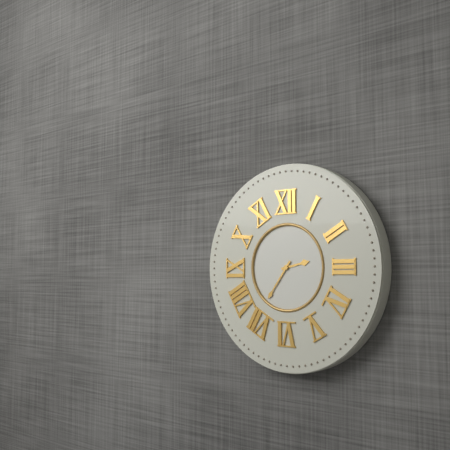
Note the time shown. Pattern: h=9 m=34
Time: h=2 m=36
